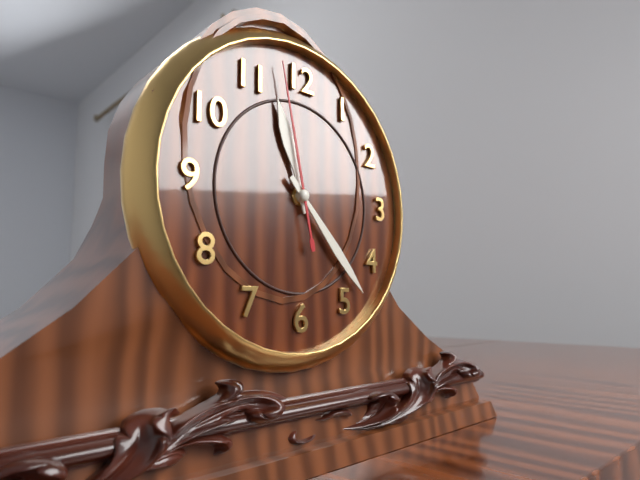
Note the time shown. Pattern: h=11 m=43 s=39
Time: h=11 m=23 s=58
